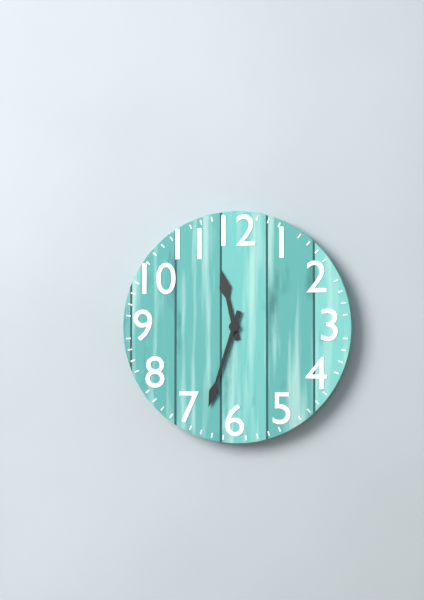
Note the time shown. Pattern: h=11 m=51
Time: h=11 m=33
